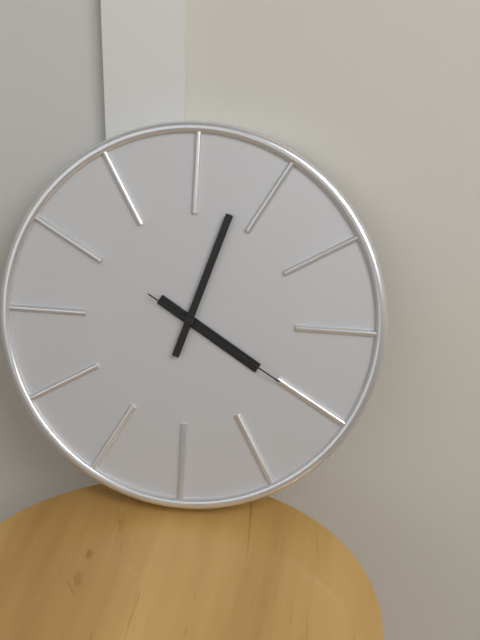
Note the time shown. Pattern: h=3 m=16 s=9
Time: h=4 m=3 s=20
